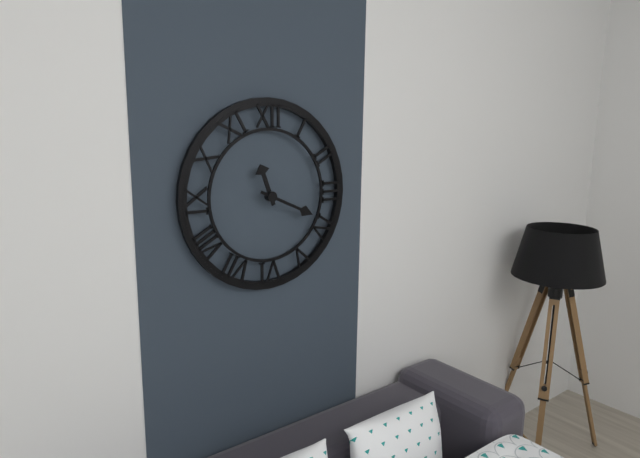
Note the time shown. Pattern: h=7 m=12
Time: h=11 m=19
